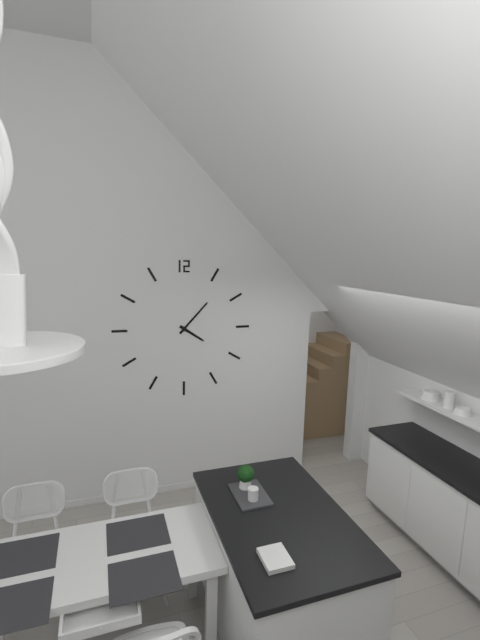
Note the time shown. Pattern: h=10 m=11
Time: h=4 m=7
